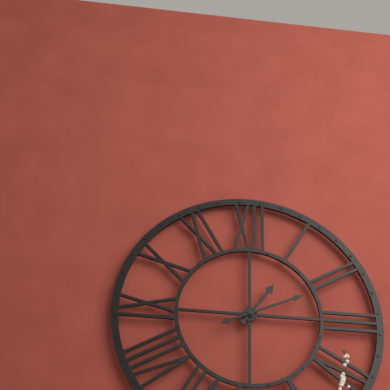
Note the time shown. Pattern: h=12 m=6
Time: h=1 m=11
